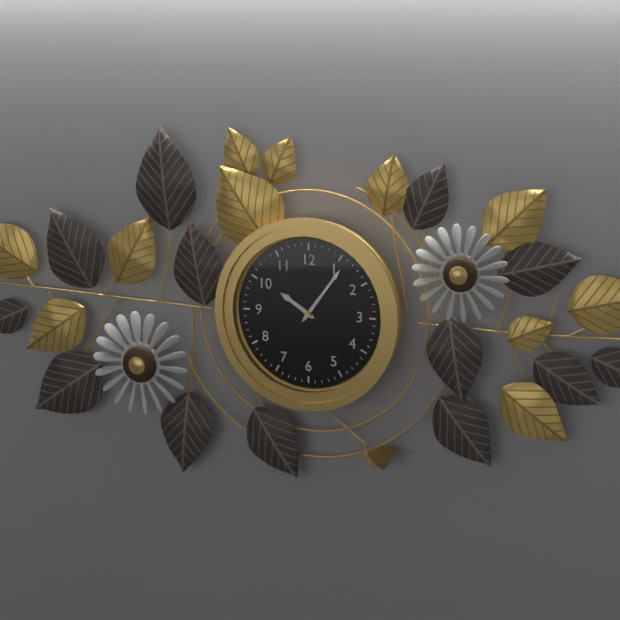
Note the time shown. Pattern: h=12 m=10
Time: h=10 m=6
